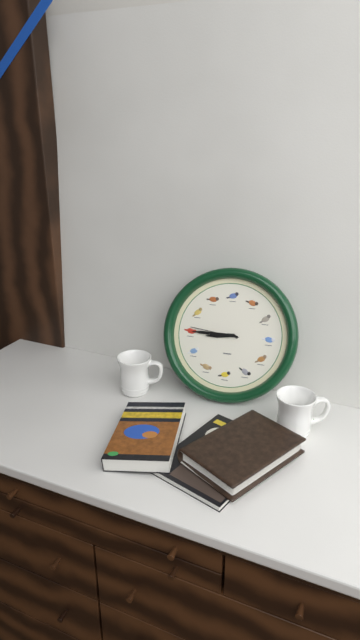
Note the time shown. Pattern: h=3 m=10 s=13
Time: h=8 m=45 s=46
